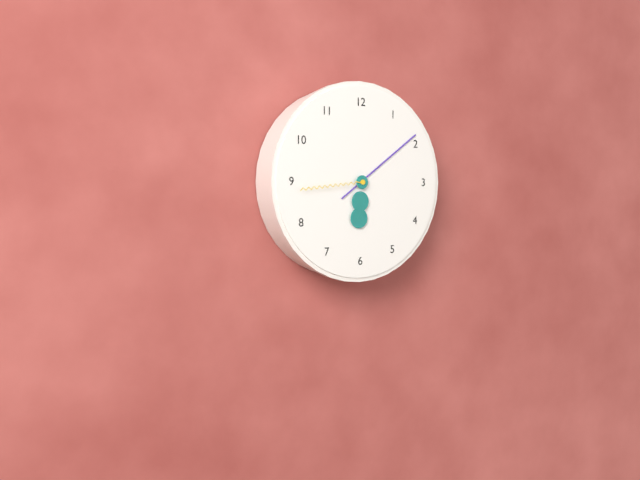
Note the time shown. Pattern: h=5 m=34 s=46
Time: h=6 m=9 s=44
